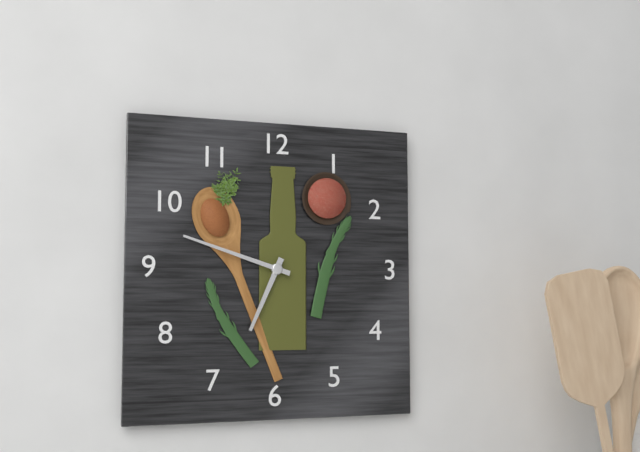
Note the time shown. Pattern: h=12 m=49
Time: h=6 m=48
